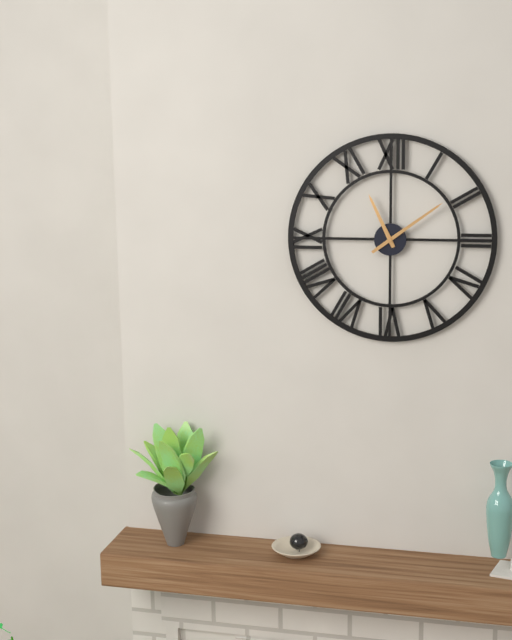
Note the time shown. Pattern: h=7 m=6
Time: h=11 m=9
